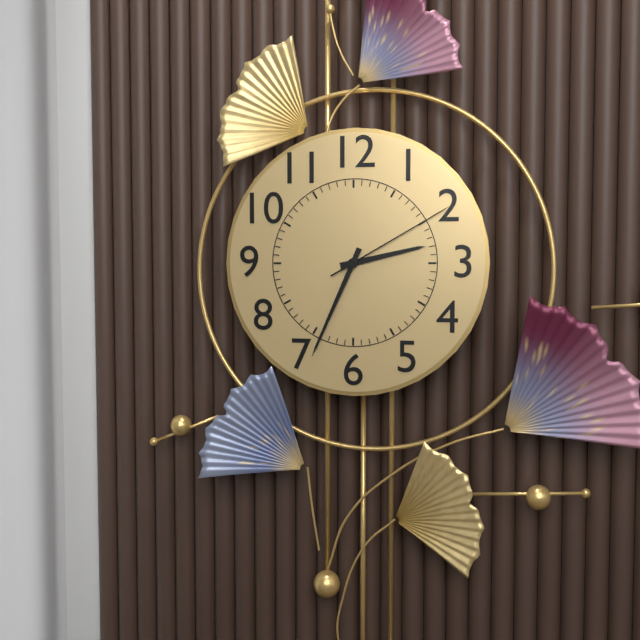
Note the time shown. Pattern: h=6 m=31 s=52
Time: h=2 m=34 s=10
